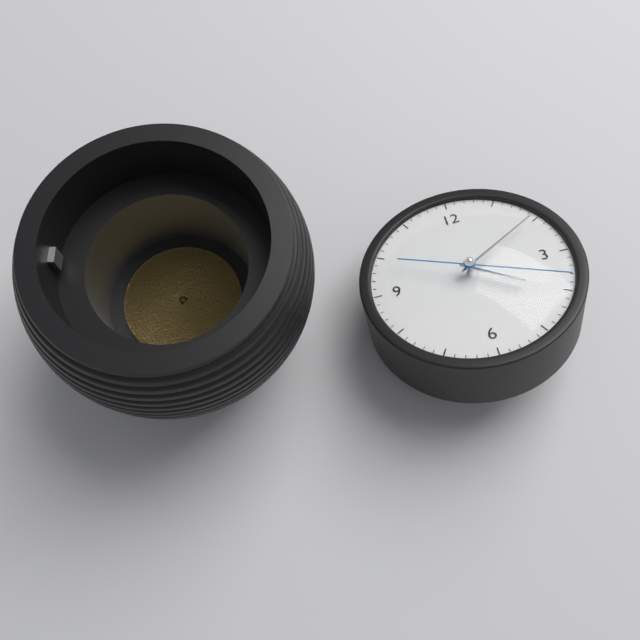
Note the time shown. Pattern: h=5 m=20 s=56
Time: h=4 m=10 s=19
